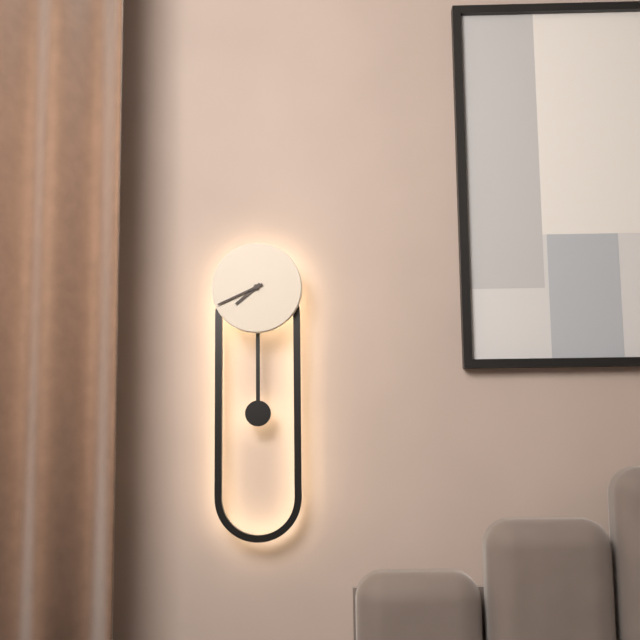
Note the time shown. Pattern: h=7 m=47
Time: h=7 m=41
